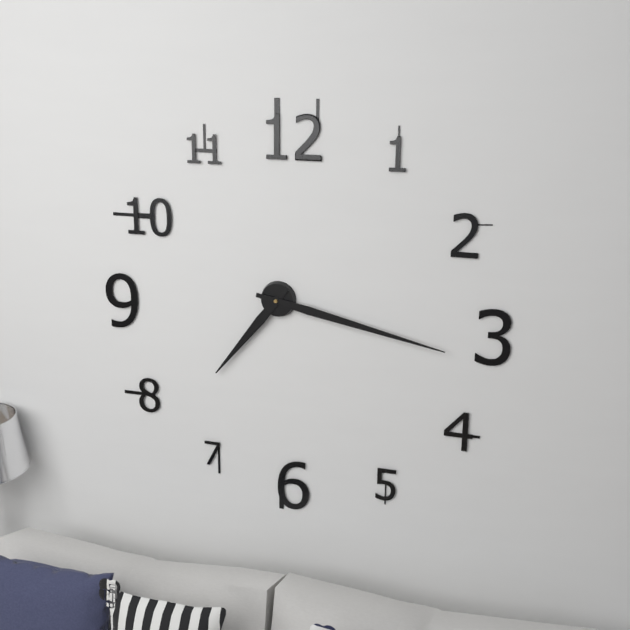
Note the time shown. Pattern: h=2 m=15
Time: h=7 m=17
